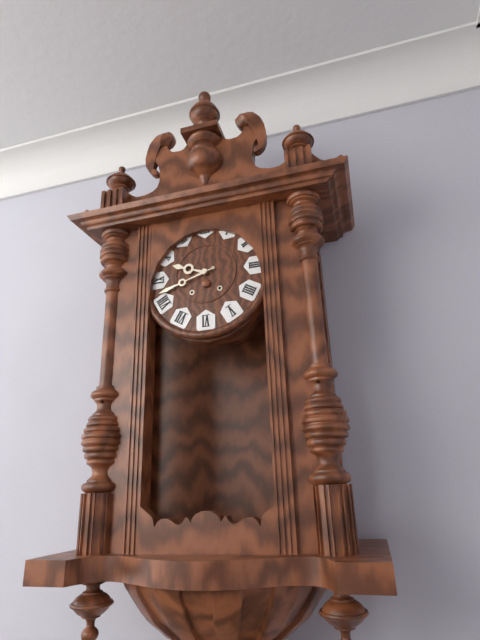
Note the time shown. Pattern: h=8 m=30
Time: h=9 m=42
